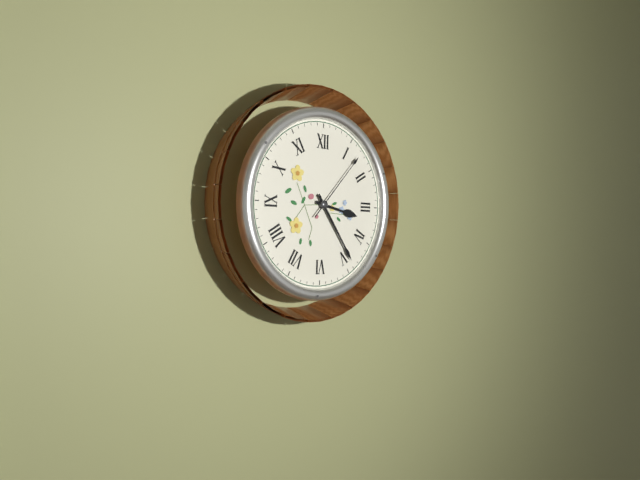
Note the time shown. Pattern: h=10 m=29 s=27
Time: h=3 m=24 s=7
